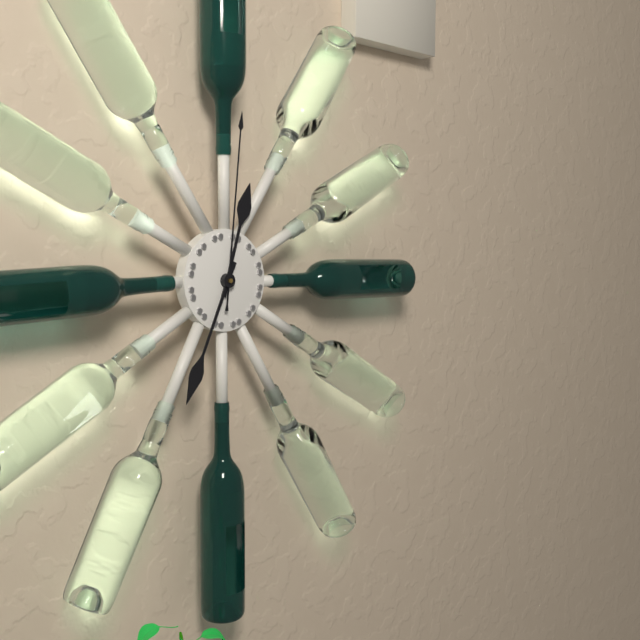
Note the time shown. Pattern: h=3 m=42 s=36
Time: h=12 m=34 s=1
